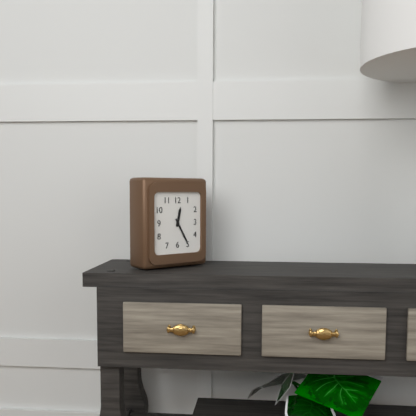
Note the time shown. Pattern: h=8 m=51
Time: h=12 m=25
